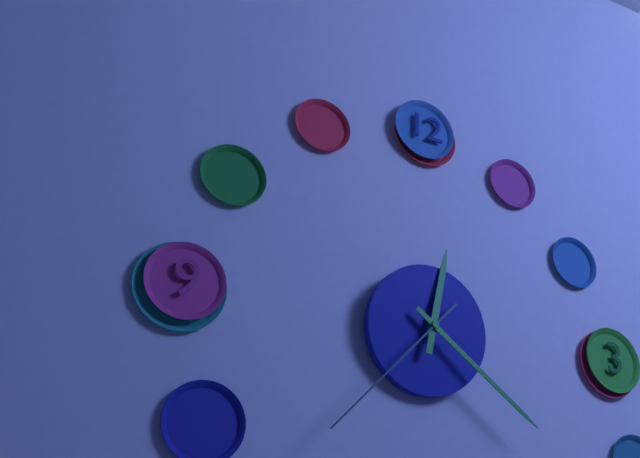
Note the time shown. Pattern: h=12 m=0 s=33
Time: h=12 m=21 s=37
